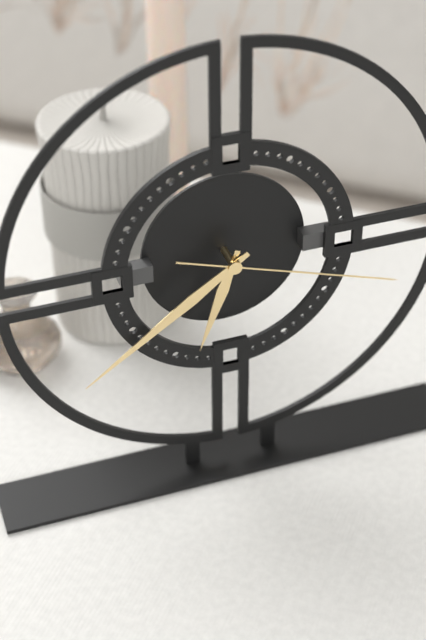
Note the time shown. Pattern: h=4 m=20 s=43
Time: h=6 m=39 s=18
